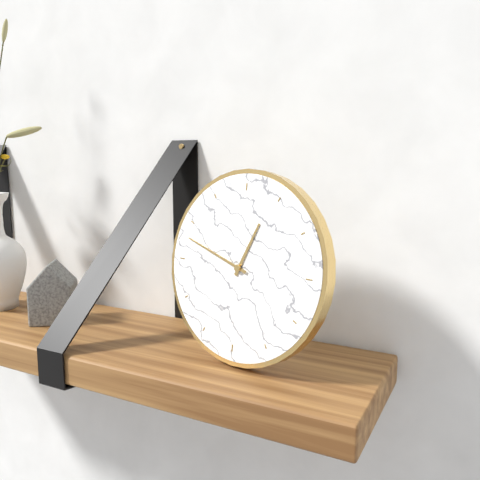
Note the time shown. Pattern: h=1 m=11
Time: h=12 m=48
